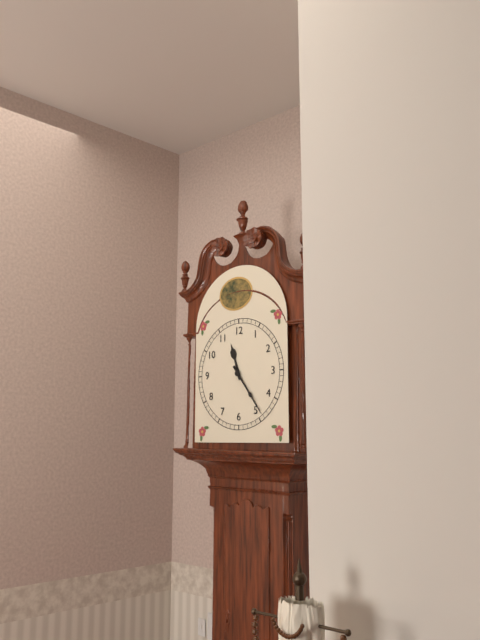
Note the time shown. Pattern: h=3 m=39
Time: h=11 m=24
